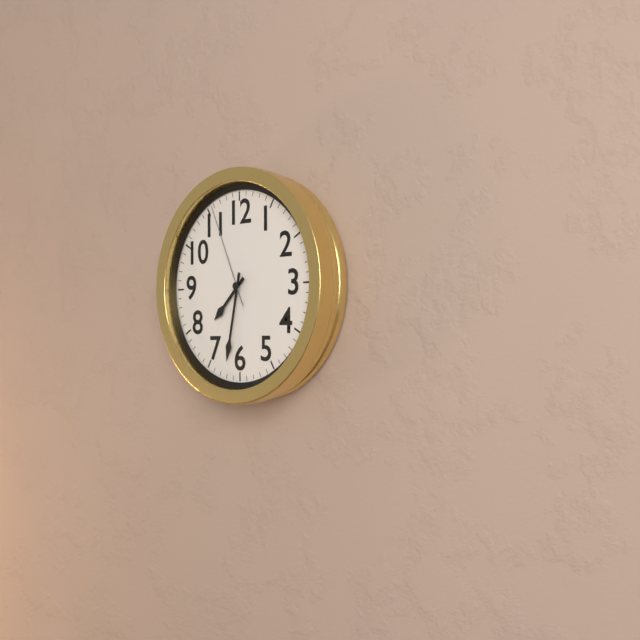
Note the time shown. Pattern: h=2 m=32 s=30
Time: h=7 m=32 s=56
